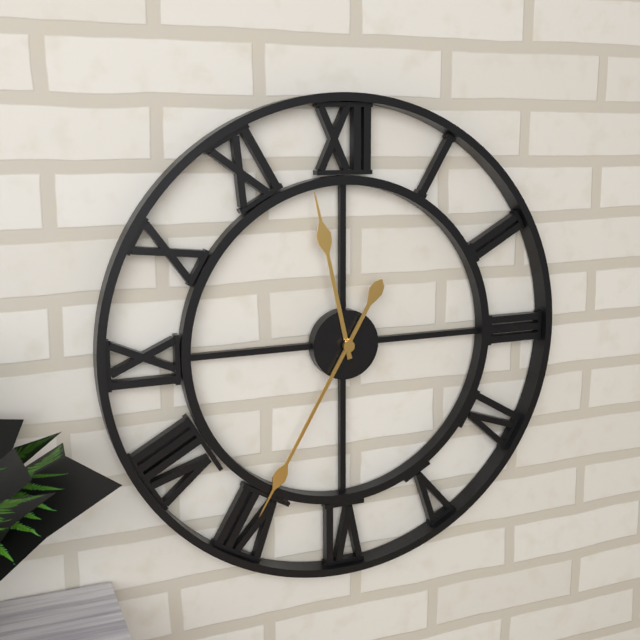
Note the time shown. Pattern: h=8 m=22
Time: h=11 m=35
